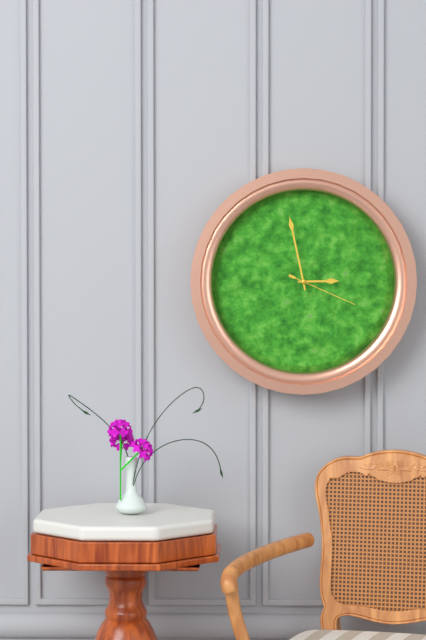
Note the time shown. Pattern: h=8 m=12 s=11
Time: h=2 m=58 s=19
